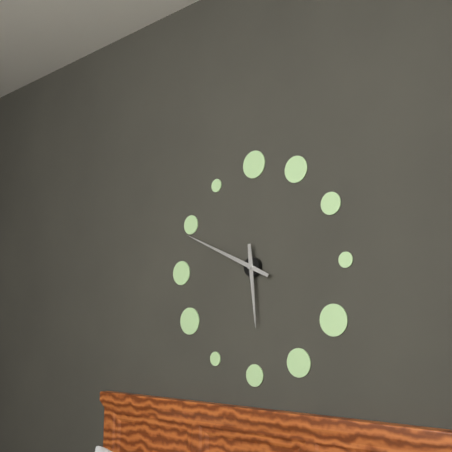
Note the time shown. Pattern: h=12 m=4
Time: h=5 m=49
